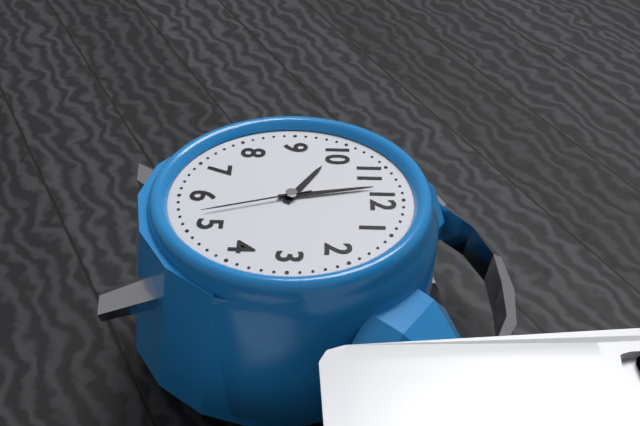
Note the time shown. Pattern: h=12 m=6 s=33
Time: h=9 m=58 s=27
